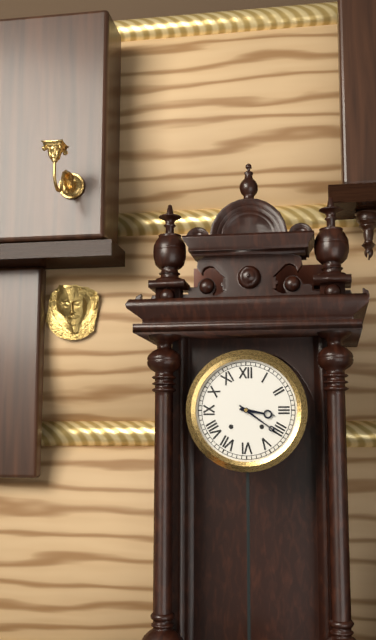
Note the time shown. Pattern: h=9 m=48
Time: h=3 m=21
